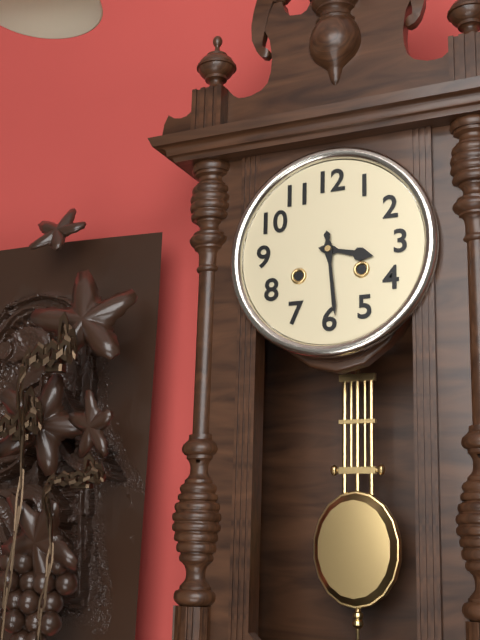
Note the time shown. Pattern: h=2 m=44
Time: h=3 m=29
